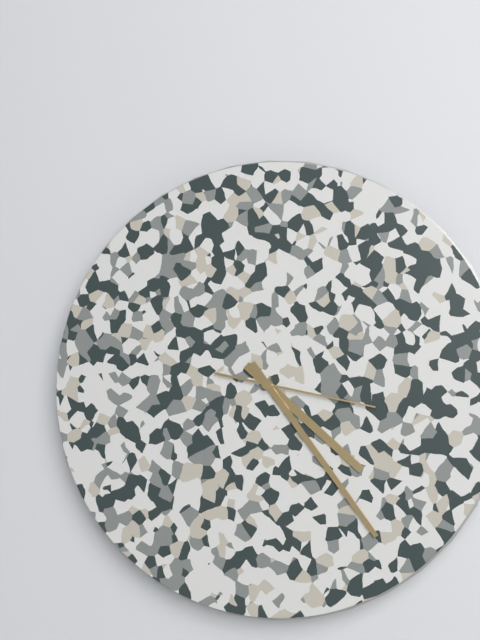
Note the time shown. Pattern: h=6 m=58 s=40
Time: h=4 m=24 s=17
